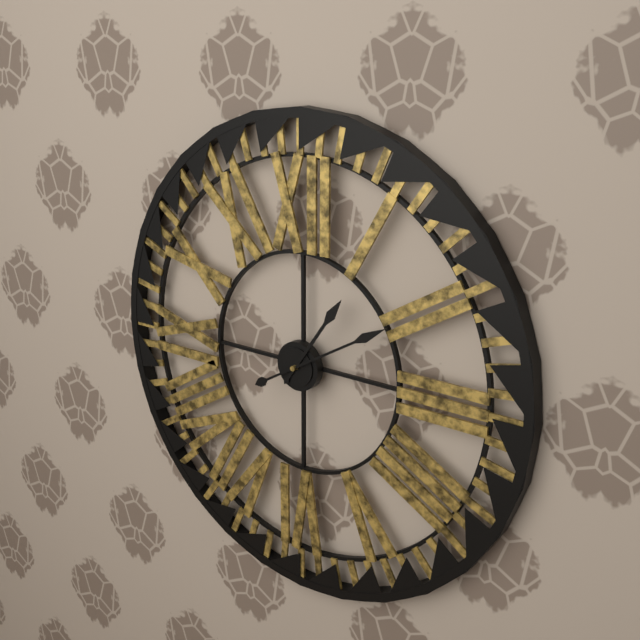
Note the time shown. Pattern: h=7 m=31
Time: h=1 m=10
